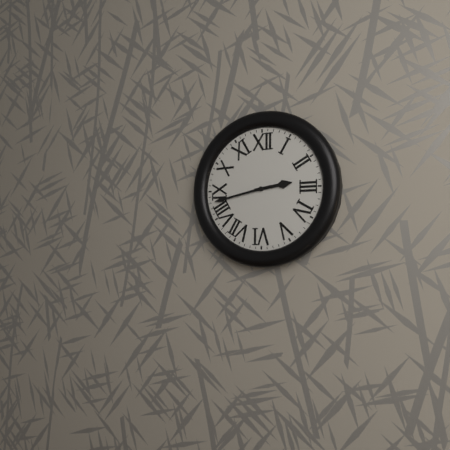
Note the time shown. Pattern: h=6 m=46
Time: h=2 m=43
